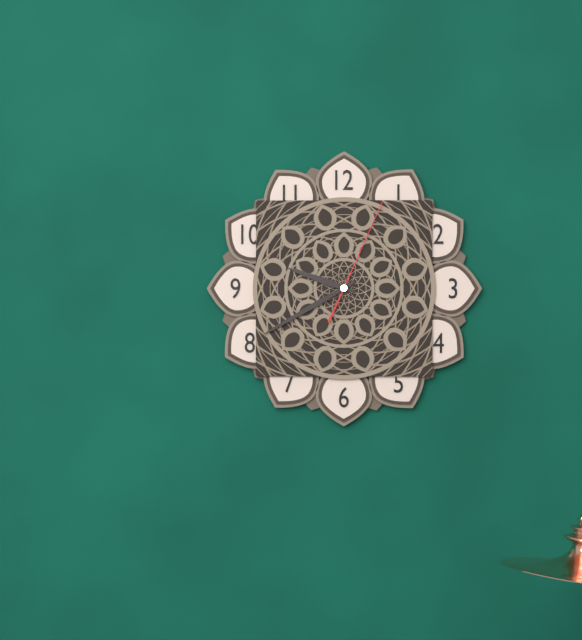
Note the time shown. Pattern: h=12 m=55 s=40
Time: h=9 m=40 s=4
